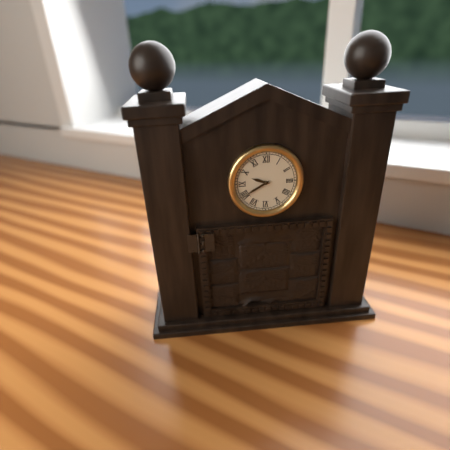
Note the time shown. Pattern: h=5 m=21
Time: h=9 m=40
